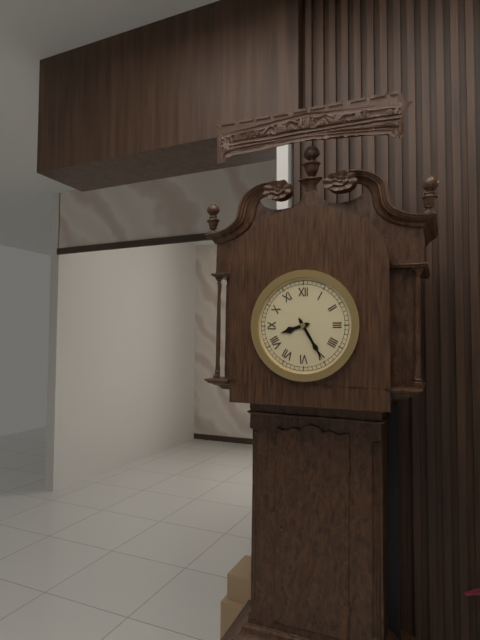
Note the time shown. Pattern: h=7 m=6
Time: h=8 m=25
